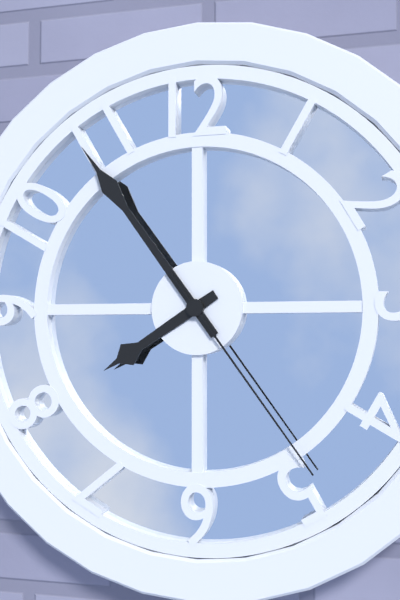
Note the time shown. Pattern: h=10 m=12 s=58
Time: h=7 m=54 s=24
